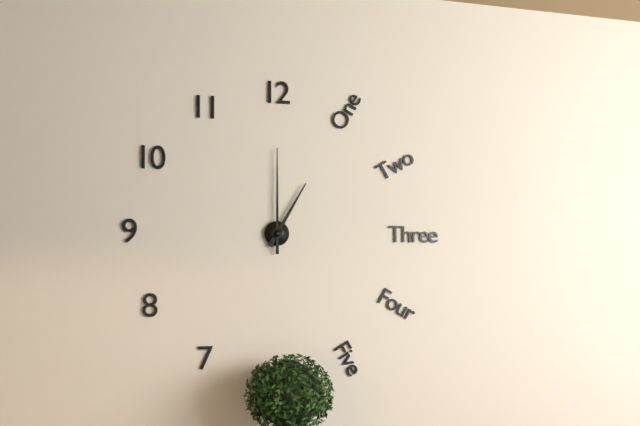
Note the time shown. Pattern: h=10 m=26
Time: h=1 m=0
